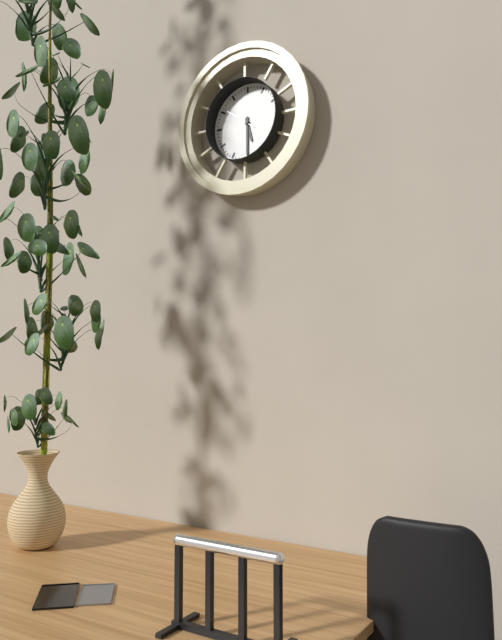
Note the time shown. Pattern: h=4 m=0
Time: h=5 m=30
